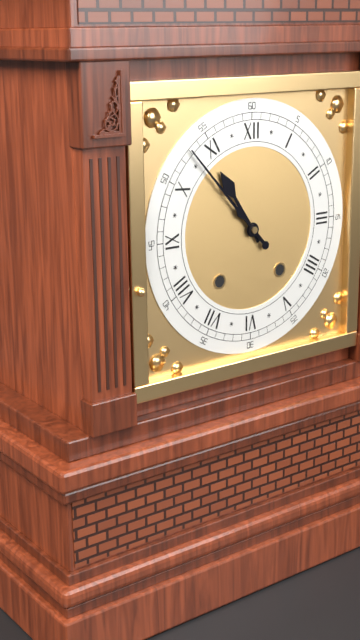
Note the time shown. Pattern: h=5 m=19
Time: h=10 m=53
